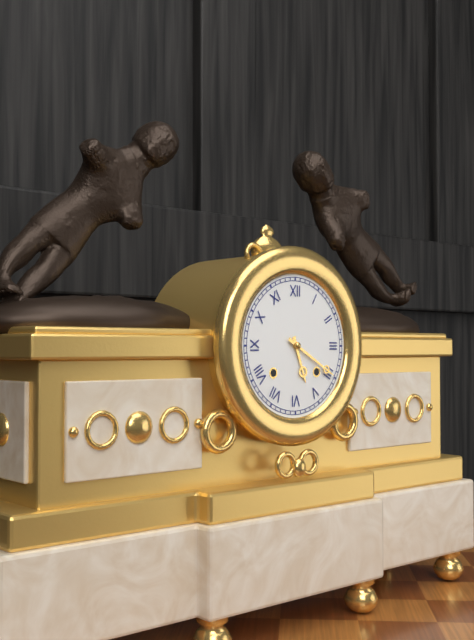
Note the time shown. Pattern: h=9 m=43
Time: h=5 m=20
